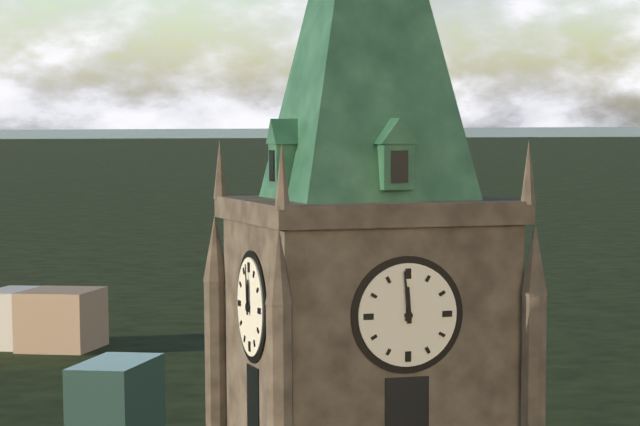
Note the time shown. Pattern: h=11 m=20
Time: h=11 m=59
